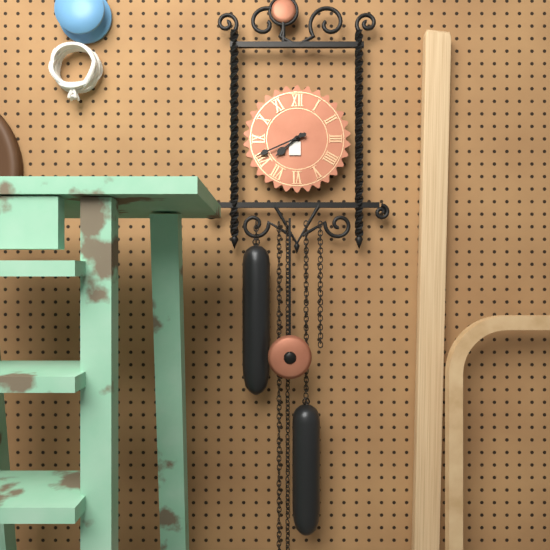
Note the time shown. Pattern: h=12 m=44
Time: h=7 m=41
